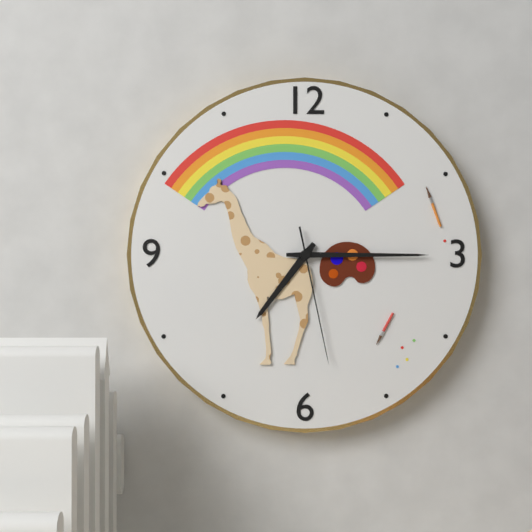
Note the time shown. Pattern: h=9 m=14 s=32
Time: h=7 m=15 s=28
